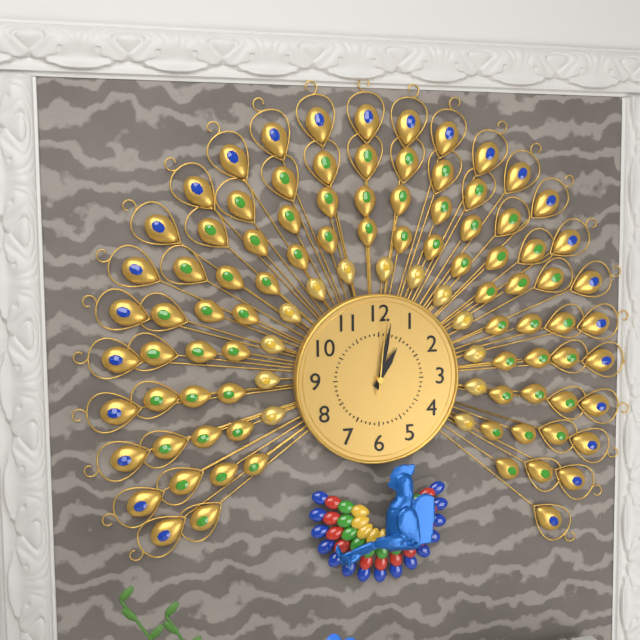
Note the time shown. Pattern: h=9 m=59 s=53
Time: h=1 m=2 s=1
